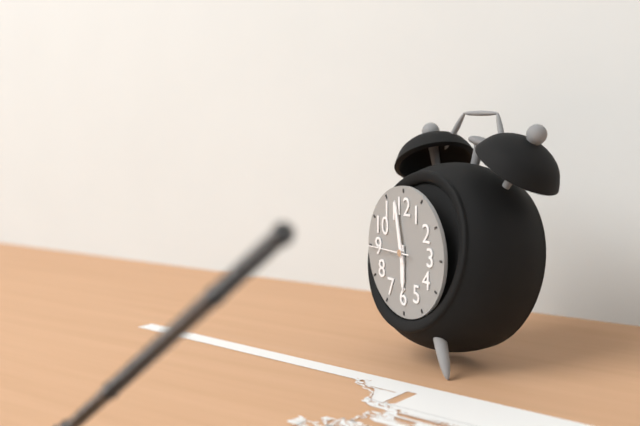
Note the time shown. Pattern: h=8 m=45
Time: h=5 m=58
